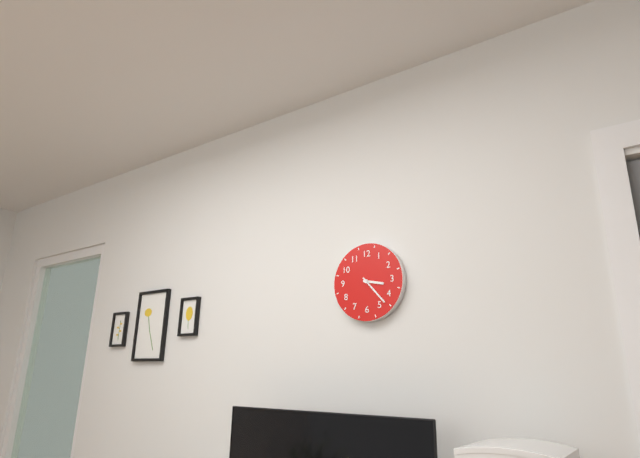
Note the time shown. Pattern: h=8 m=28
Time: h=3 m=23
